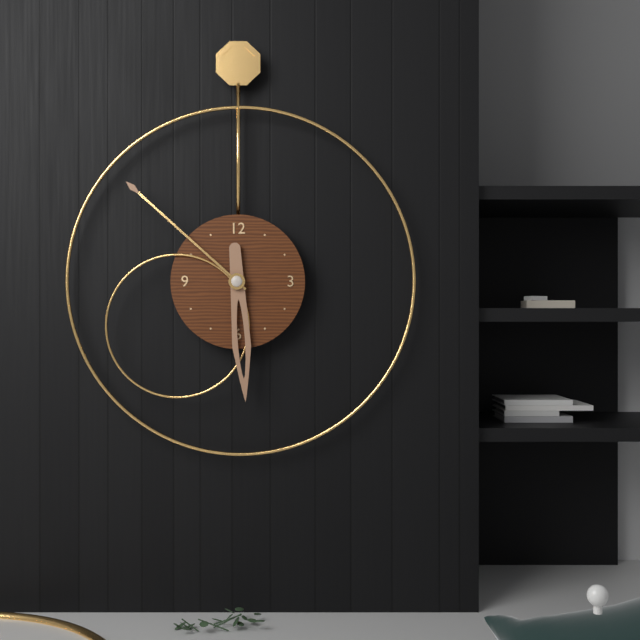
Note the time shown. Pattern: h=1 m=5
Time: h=5 m=52
